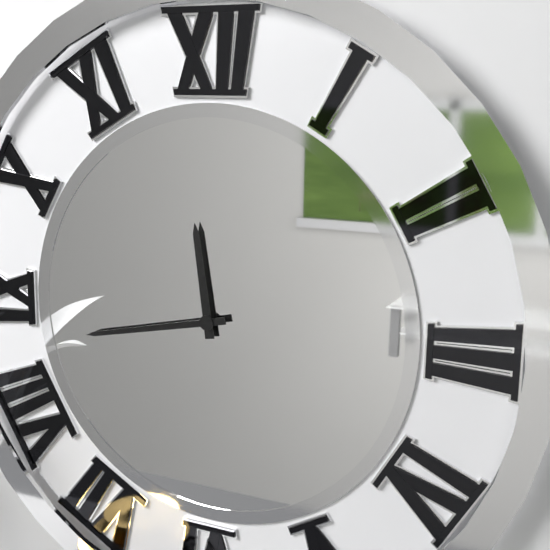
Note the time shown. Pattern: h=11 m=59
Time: h=11 m=43
